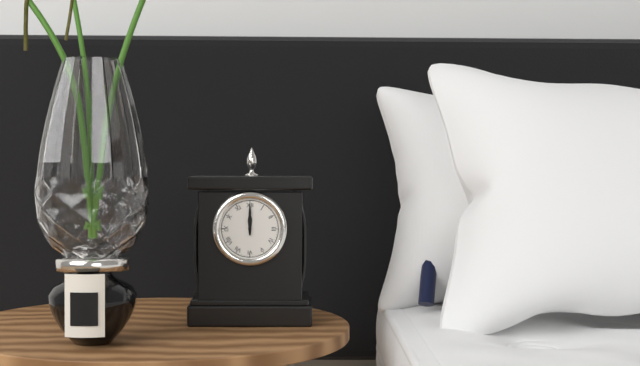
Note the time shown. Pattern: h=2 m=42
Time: h=12 m=0
